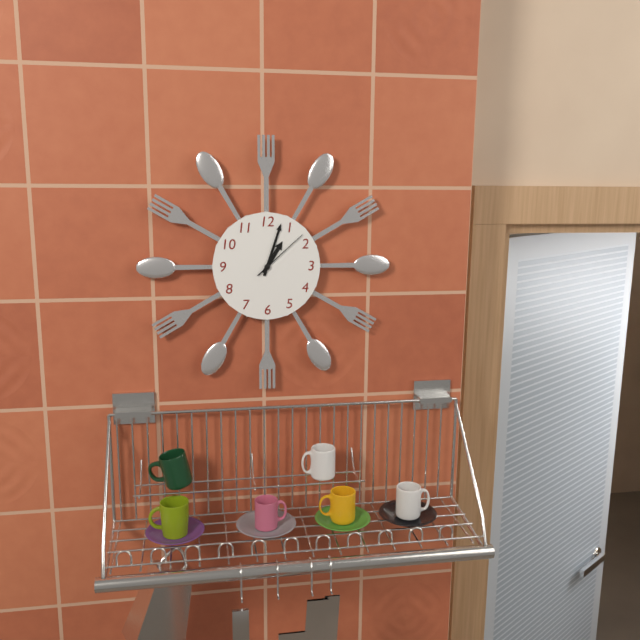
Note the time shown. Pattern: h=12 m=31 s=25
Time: h=1 m=3 s=8
